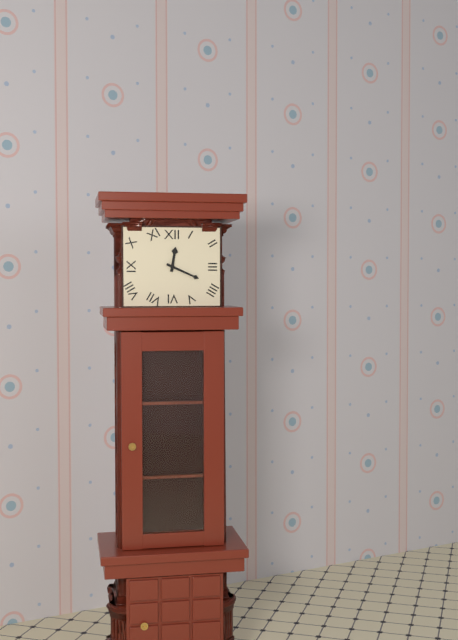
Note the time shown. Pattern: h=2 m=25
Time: h=12 m=19
